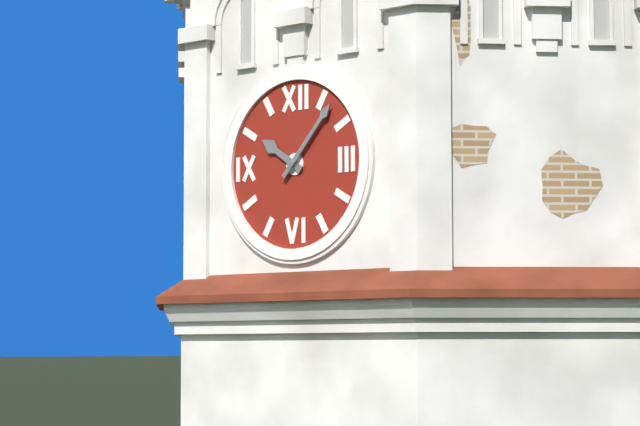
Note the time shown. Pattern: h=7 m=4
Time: h=10 m=7
